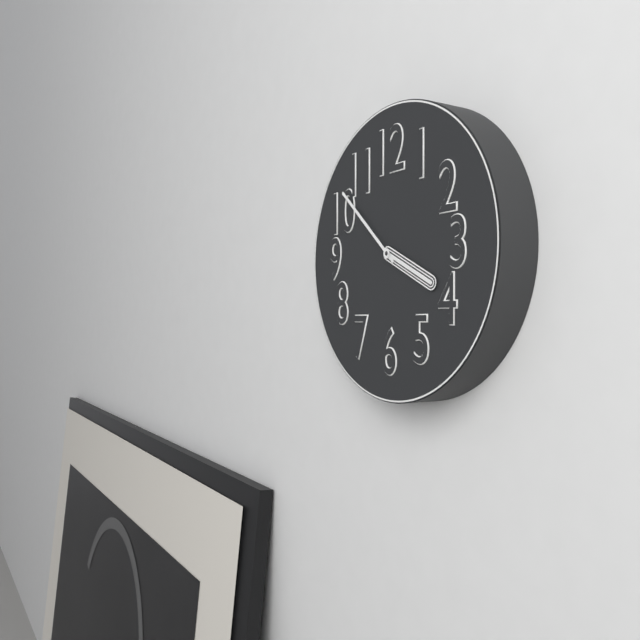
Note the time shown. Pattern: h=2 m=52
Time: h=3 m=52
